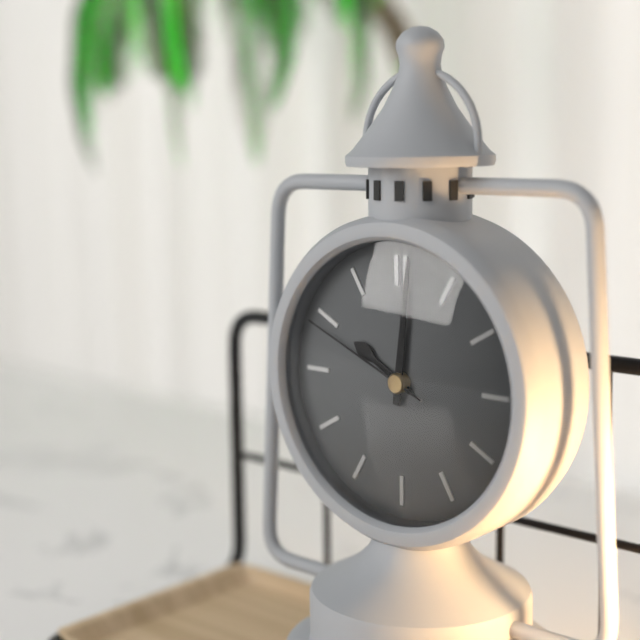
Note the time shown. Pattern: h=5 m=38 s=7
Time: h=10 m=1 s=49
